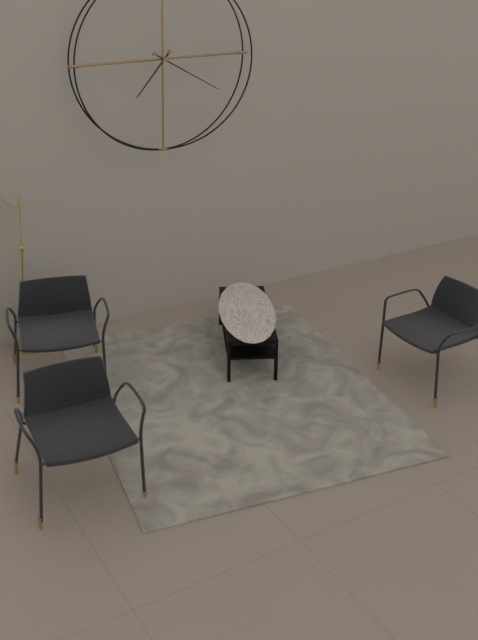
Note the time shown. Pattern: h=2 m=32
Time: h=7 m=20
